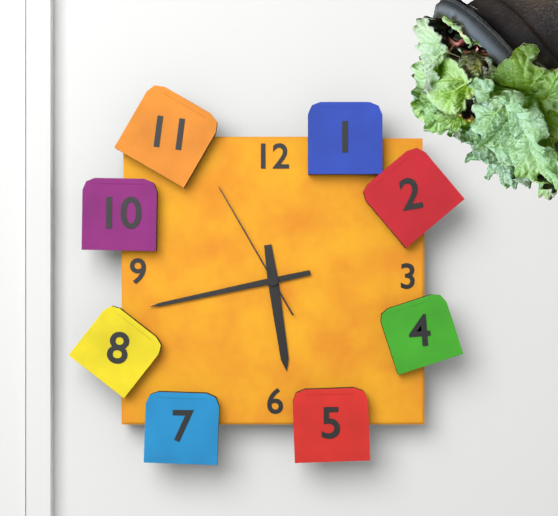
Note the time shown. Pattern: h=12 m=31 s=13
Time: h=5 m=43 s=55
